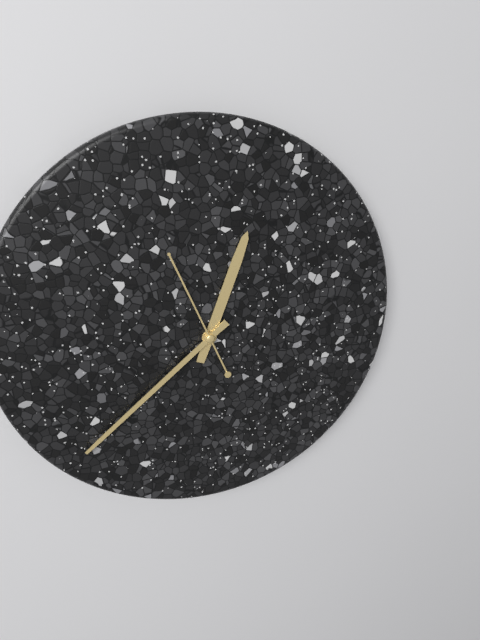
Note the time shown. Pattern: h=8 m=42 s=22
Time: h=12 m=38 s=56
